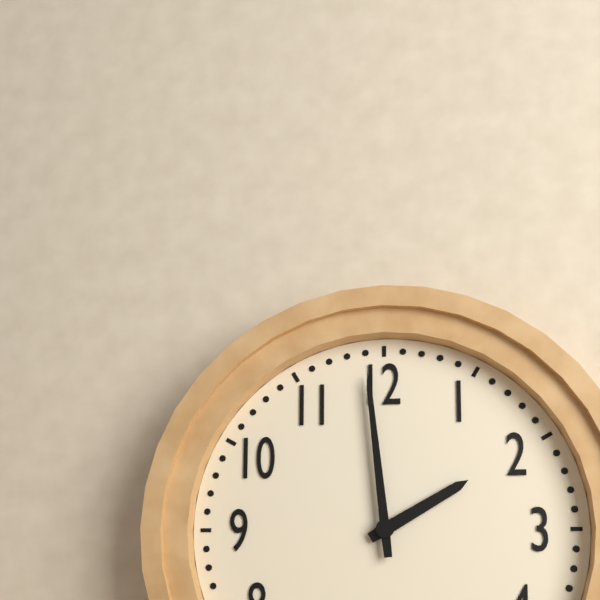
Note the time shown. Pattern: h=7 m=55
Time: h=1 m=59
